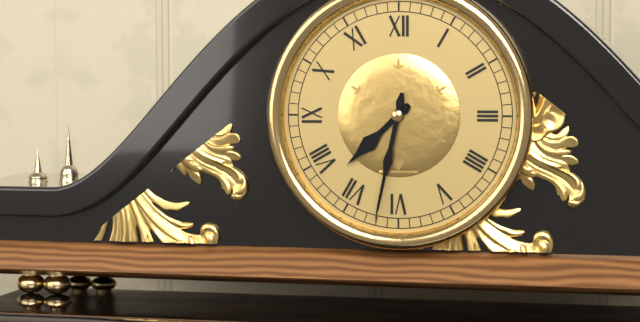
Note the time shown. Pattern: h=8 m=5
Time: h=7 m=32
